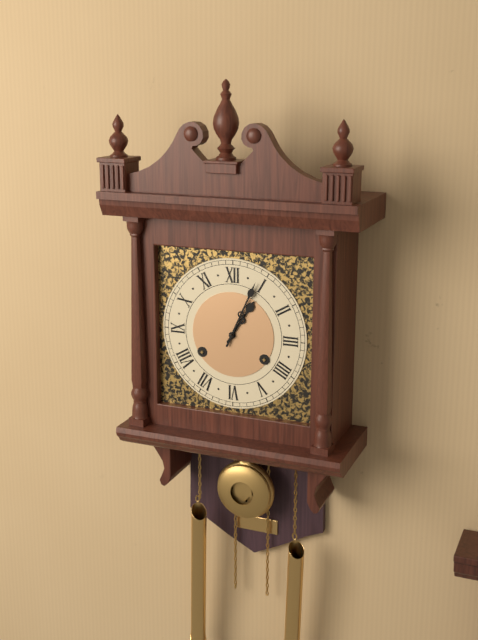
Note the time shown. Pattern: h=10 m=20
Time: h=1 m=4
